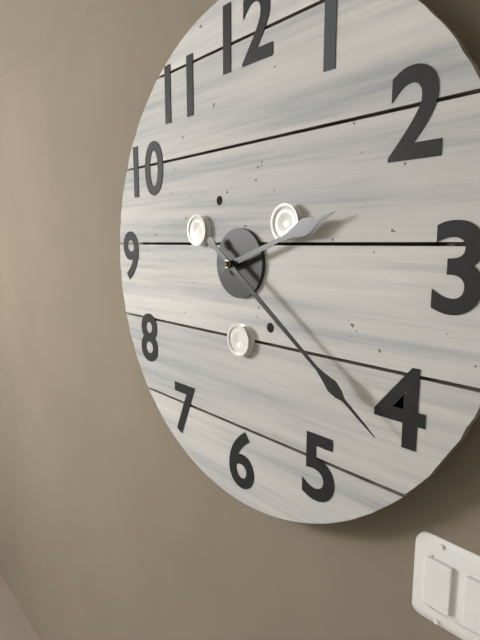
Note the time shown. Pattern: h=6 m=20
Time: h=2 m=21
